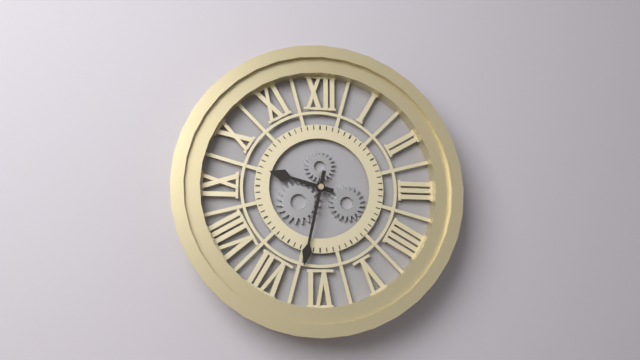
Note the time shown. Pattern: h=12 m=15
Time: h=9 m=32
